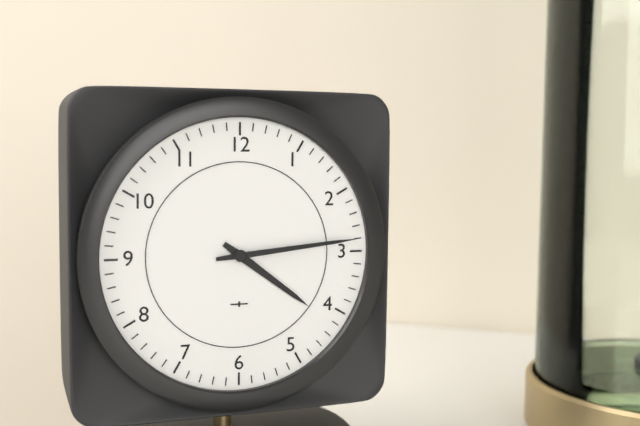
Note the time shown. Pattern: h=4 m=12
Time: h=4 m=14
